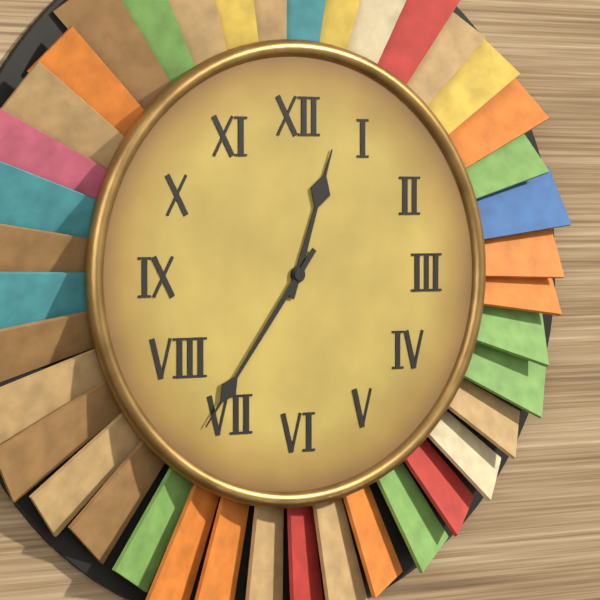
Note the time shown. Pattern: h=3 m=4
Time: h=12 m=36
